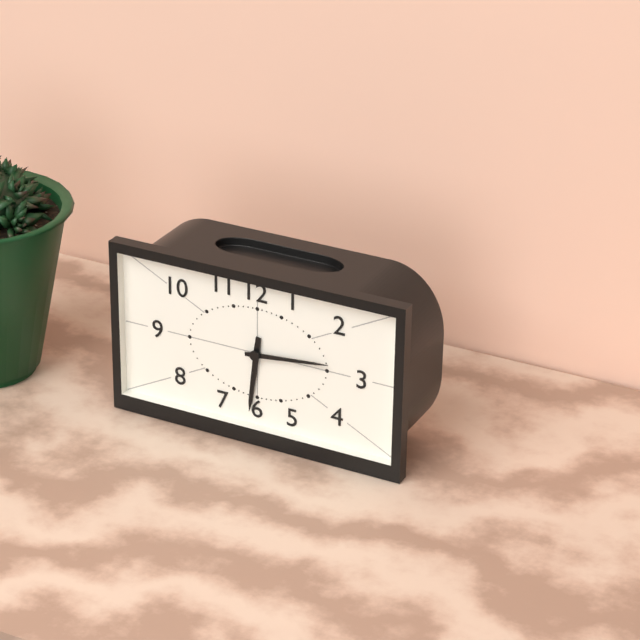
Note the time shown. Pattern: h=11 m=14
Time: h=6 m=14
